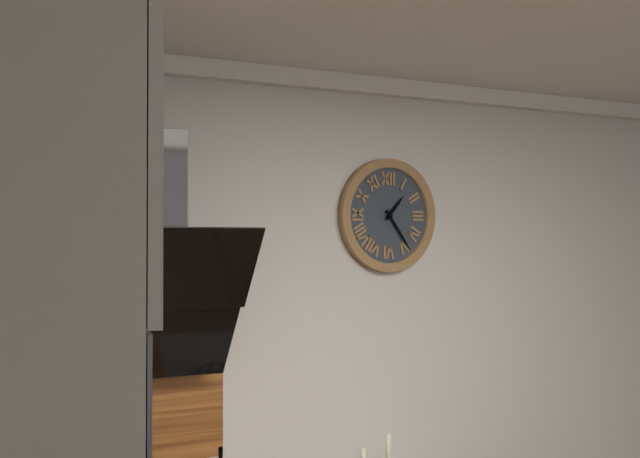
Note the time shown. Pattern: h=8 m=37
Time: h=1 m=24
